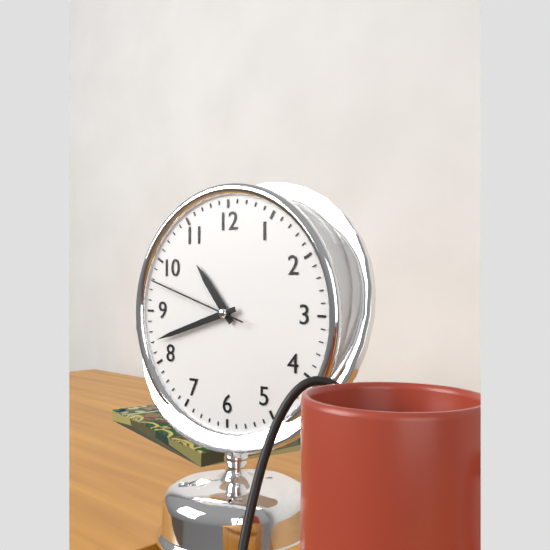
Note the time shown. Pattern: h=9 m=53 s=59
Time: h=10 m=42 s=48
